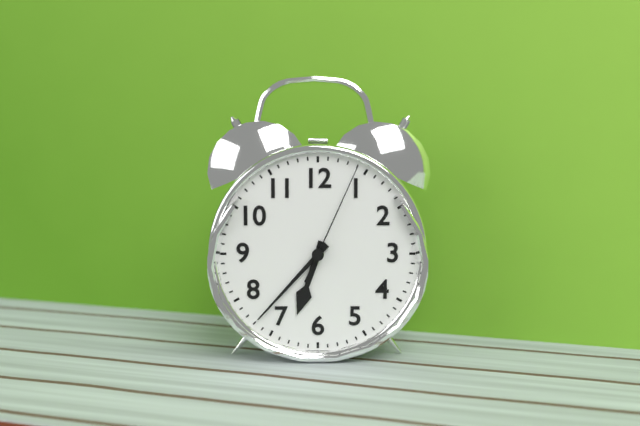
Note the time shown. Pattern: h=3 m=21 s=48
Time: h=6 m=37 s=4
